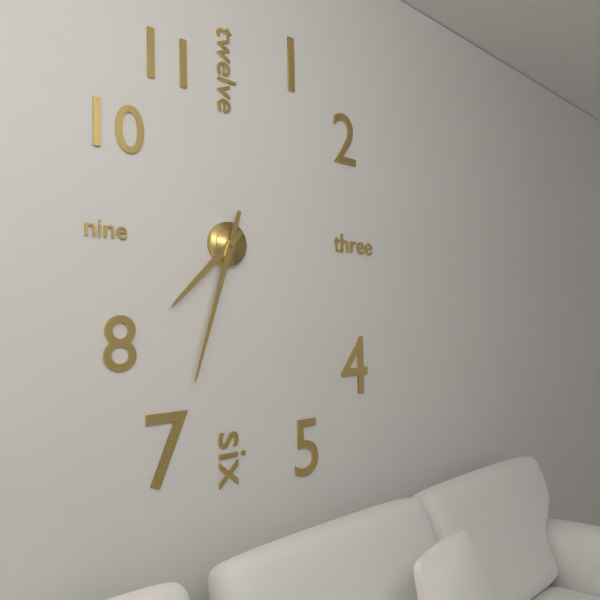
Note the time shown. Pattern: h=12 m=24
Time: h=7 m=33
